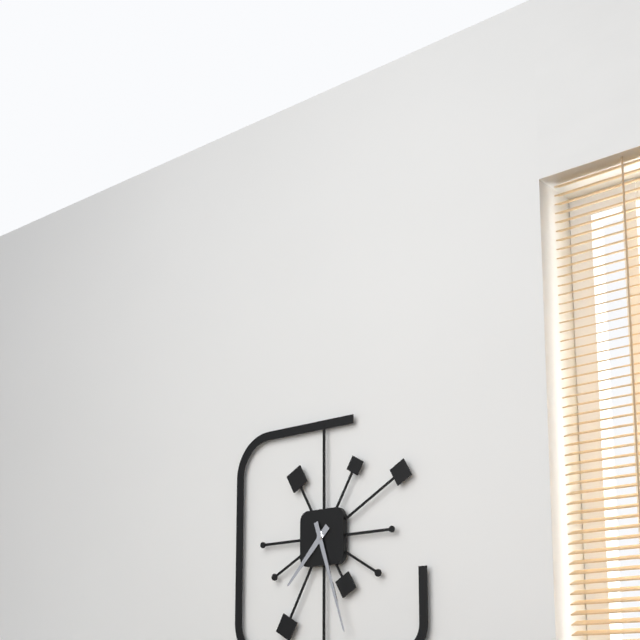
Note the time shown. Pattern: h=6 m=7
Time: h=7 m=27
